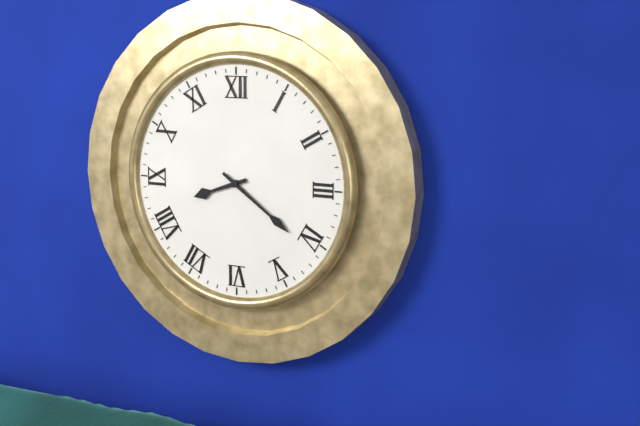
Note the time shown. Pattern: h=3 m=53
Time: h=8 m=21
